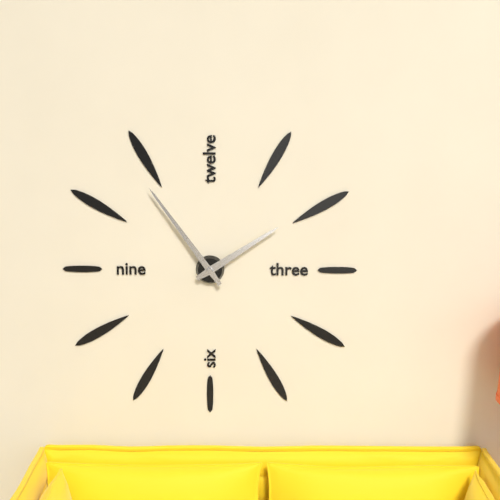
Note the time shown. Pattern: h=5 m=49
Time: h=1 m=54
